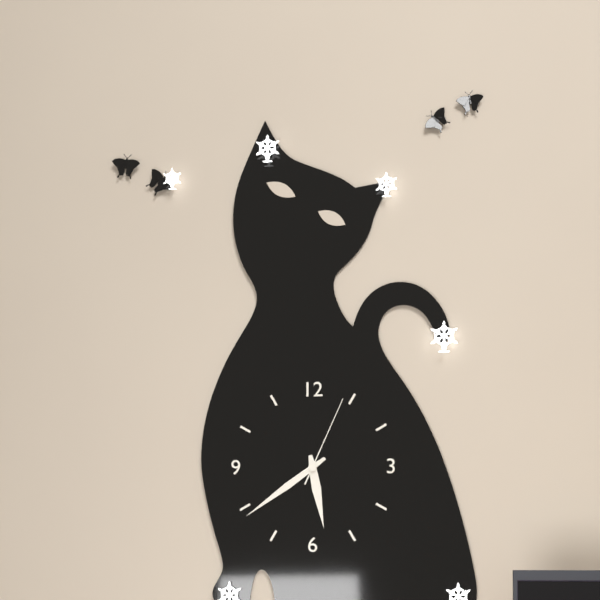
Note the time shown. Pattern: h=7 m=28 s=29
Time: h=5 m=39 s=4
